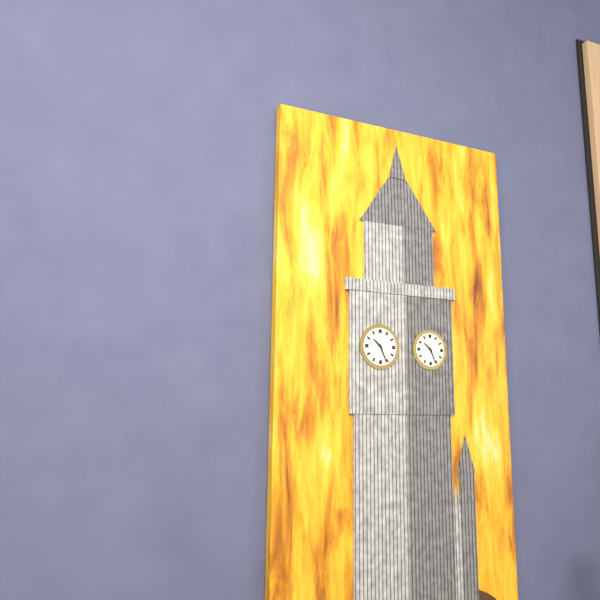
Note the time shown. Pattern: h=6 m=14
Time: h=10 m=26
